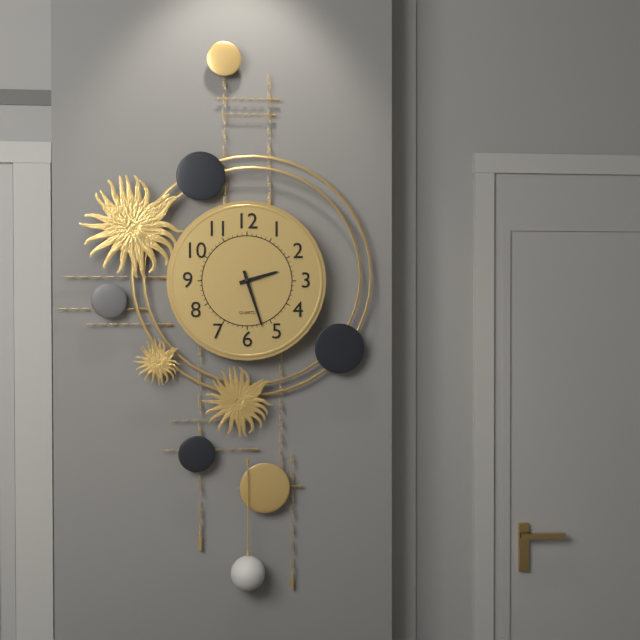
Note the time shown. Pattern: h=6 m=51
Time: h=2 m=27
